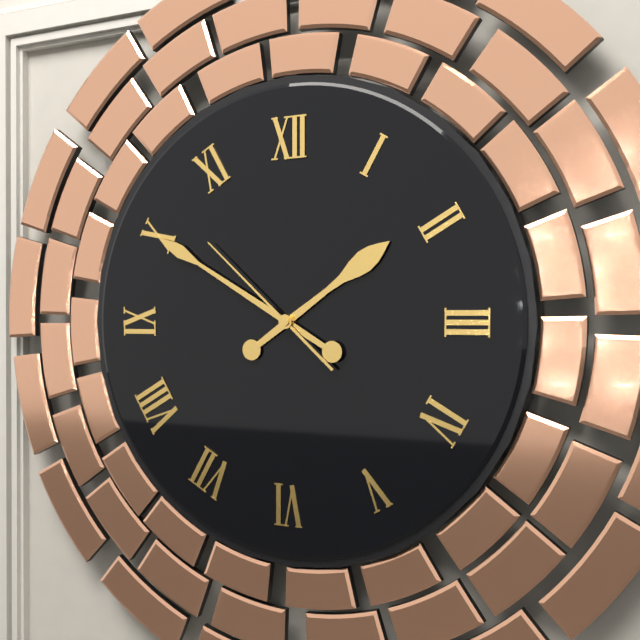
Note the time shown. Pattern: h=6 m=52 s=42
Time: h=1 m=50 s=52
